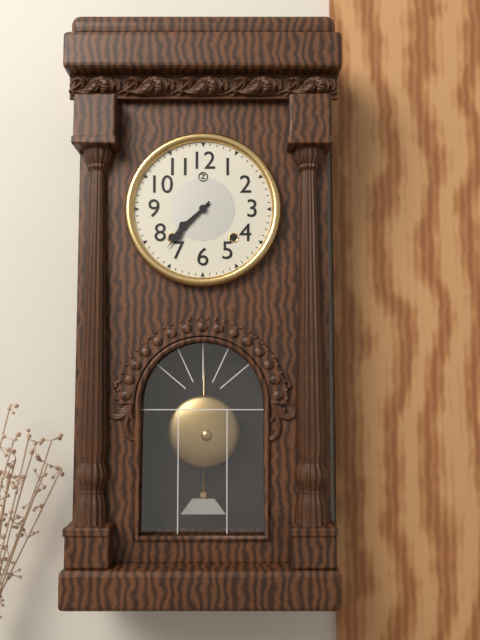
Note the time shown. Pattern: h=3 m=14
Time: h=7 m=37
